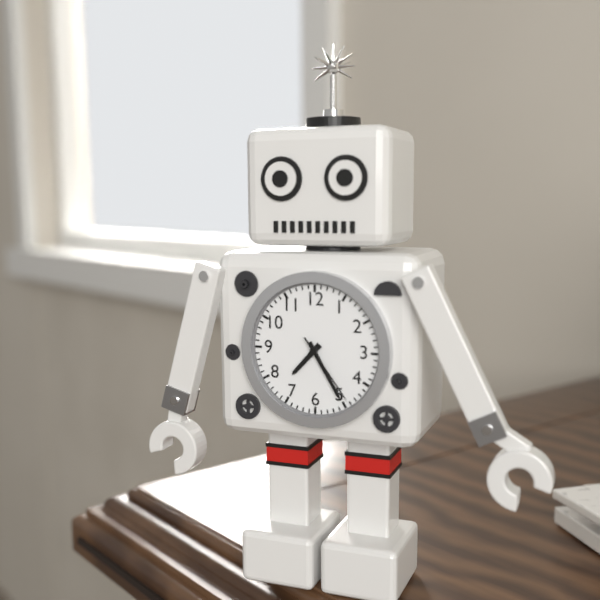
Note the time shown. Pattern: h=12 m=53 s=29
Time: h=7 m=25 s=24
